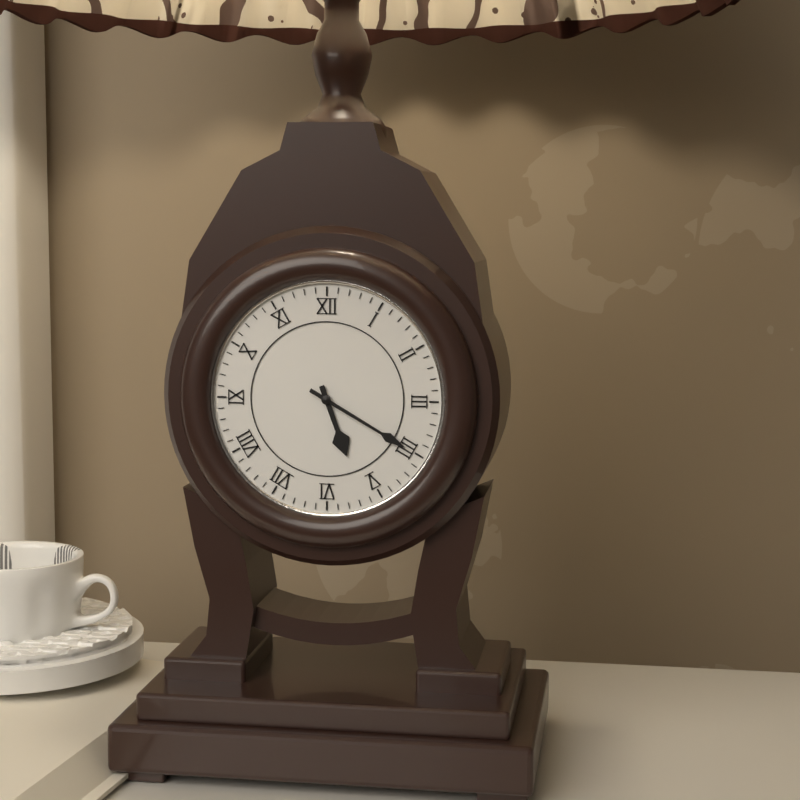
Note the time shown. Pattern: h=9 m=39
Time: h=5 m=20
